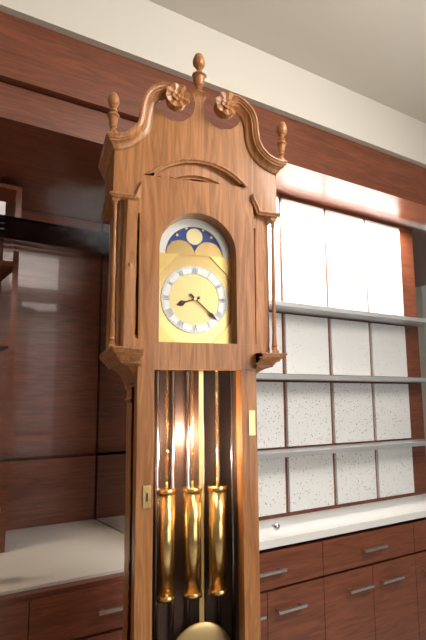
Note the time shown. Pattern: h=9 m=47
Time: h=8 m=22
